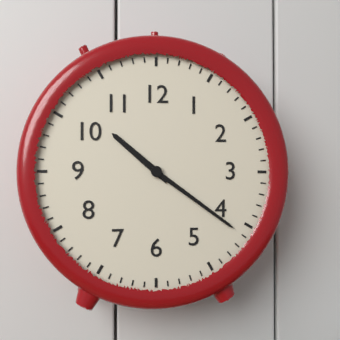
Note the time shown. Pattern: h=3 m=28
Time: h=10 m=21
